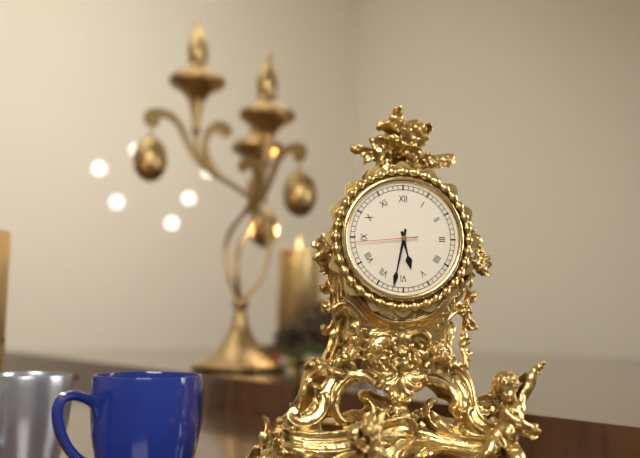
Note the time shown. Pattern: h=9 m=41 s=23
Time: h=5 m=32 s=44
